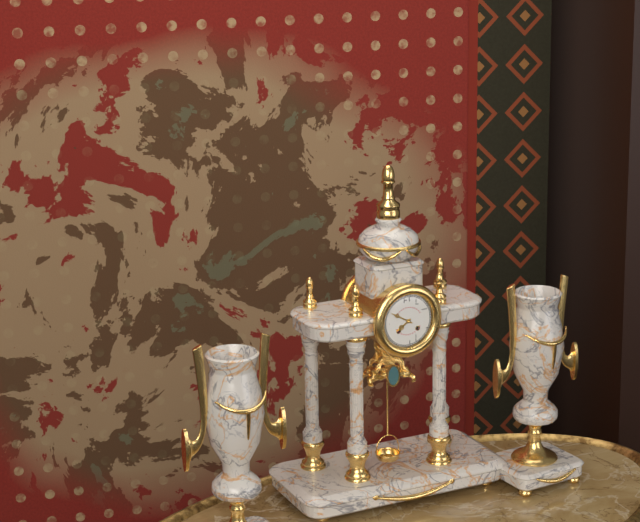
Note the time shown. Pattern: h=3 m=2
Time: h=7 m=50
